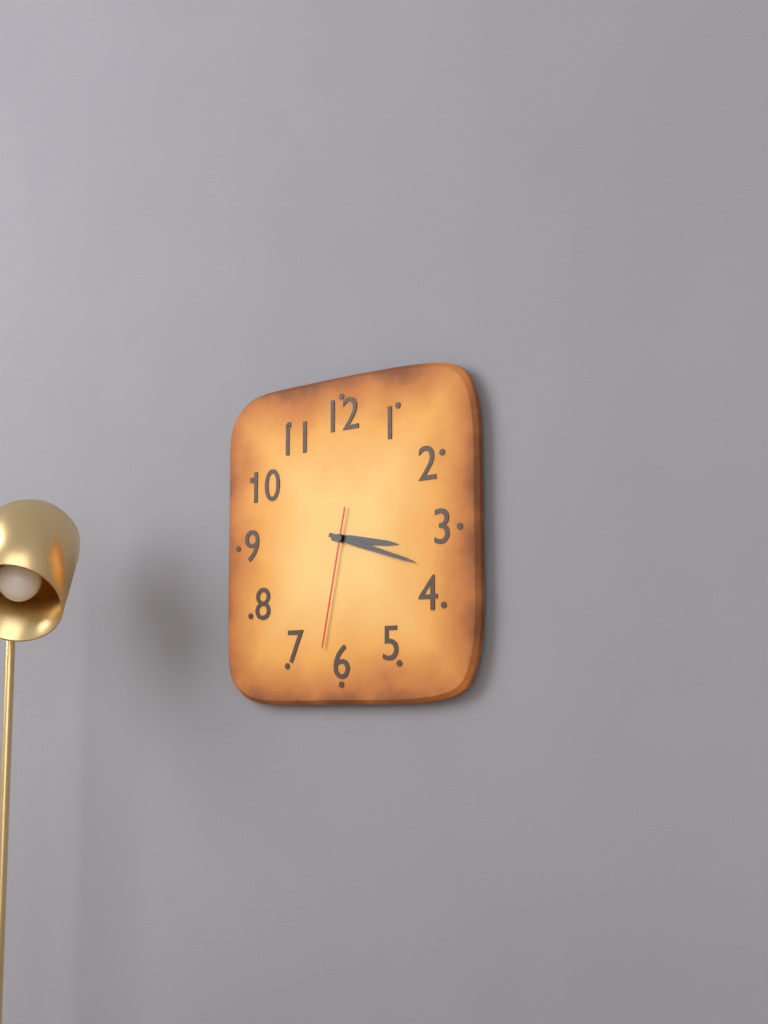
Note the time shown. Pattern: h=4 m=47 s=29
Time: h=3 m=18 s=32
